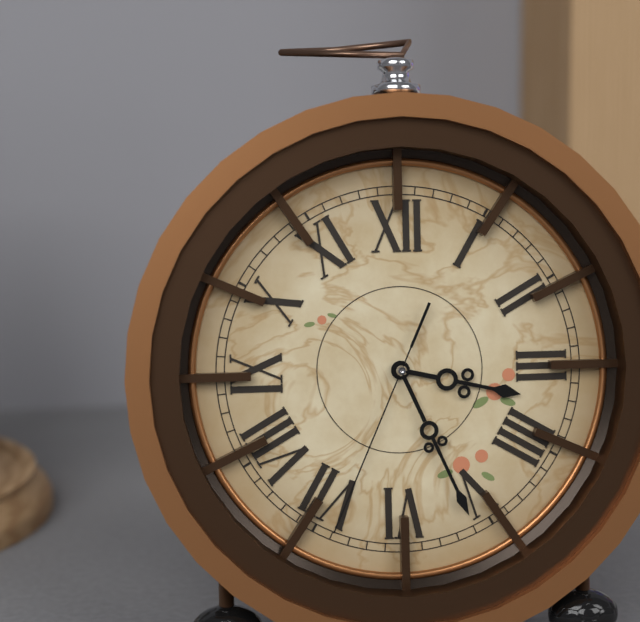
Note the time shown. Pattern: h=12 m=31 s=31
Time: h=3 m=26 s=34
